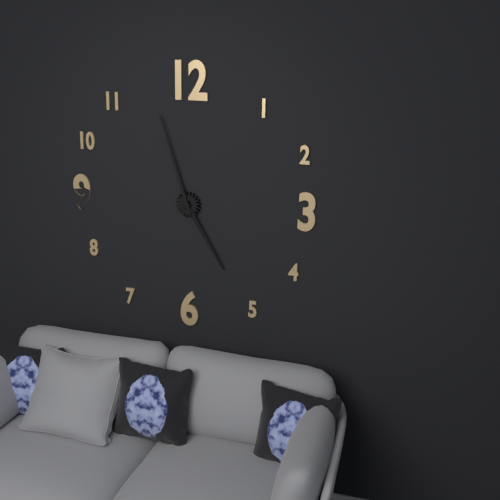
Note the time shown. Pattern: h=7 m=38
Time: h=4 m=57
